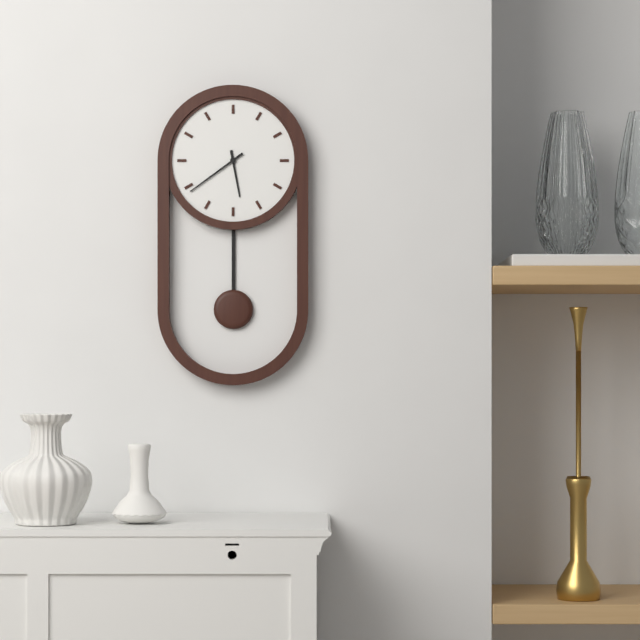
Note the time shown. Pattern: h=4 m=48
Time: h=5 m=39
